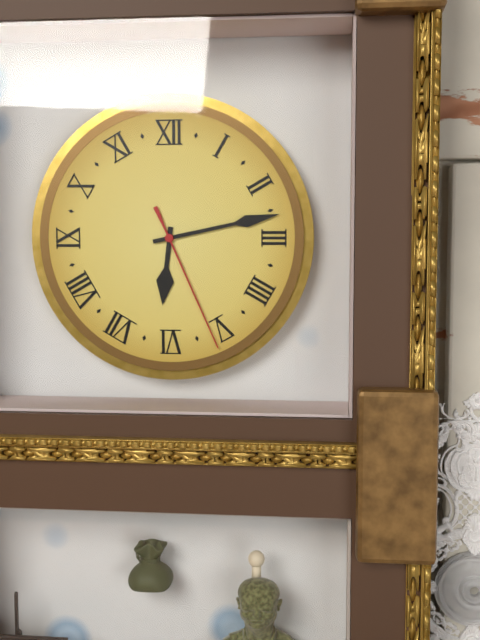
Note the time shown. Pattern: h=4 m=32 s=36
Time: h=6 m=13 s=26
